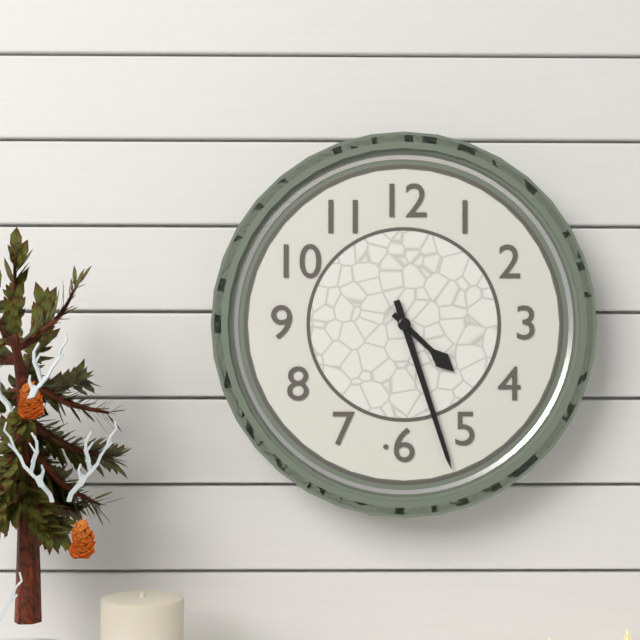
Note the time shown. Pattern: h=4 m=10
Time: h=4 m=27
